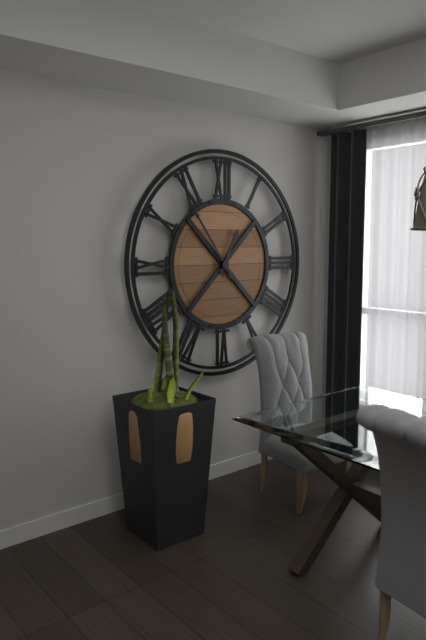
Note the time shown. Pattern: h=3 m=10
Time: h=12 m=54
